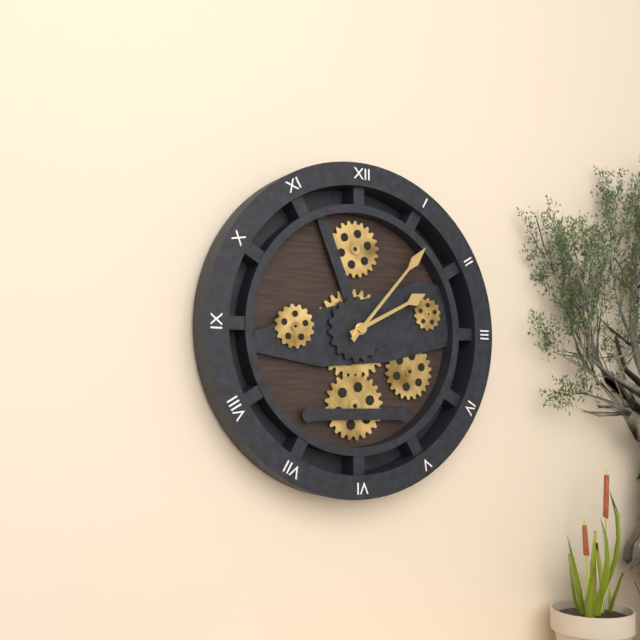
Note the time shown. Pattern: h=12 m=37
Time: h=2 m=7
